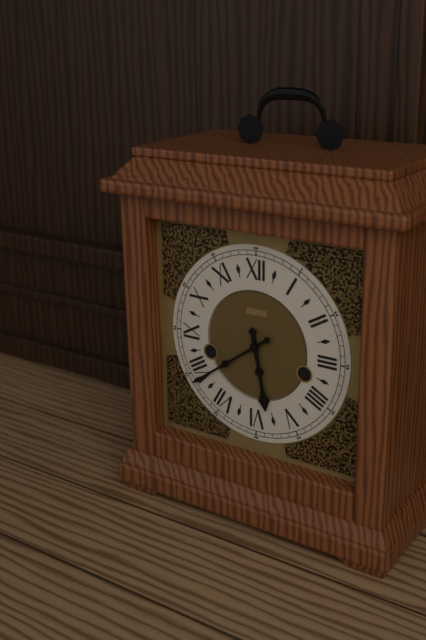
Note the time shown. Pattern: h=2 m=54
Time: h=5 m=39
